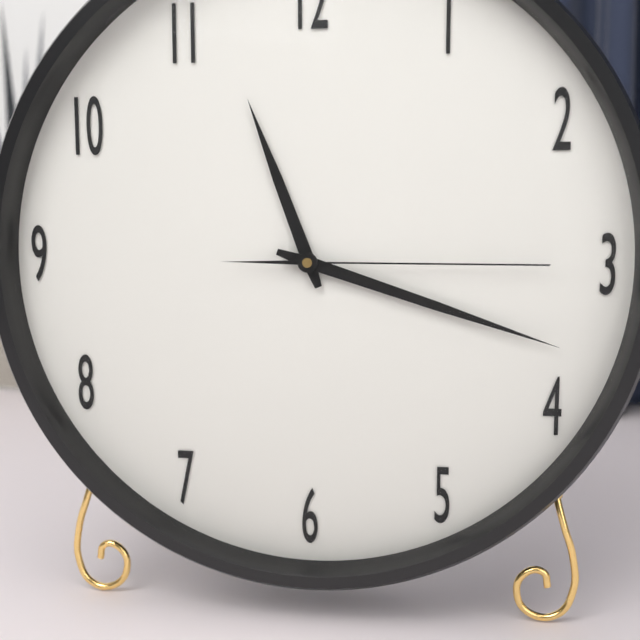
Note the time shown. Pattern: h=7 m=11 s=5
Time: h=11 m=18 s=15
